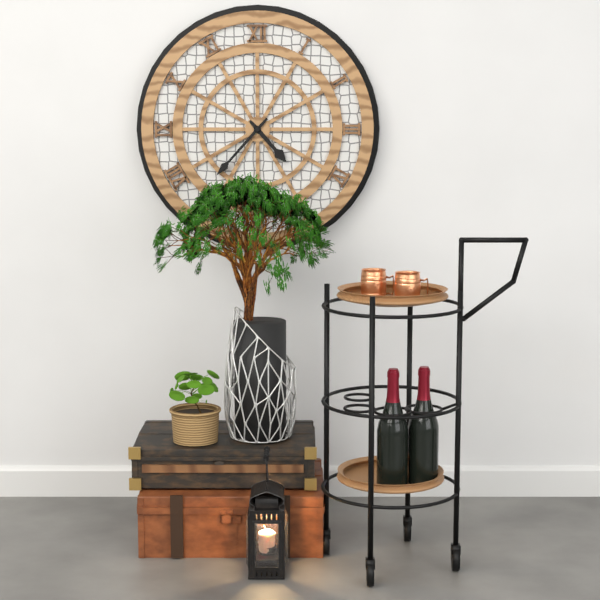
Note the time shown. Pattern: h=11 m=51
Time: h=4 m=37
